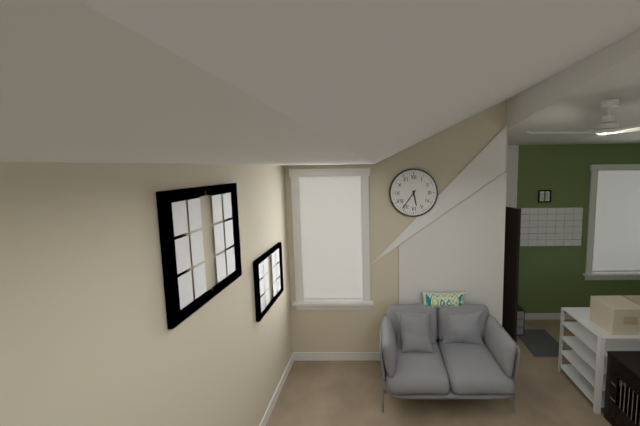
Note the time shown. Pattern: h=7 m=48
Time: h=5 m=36
